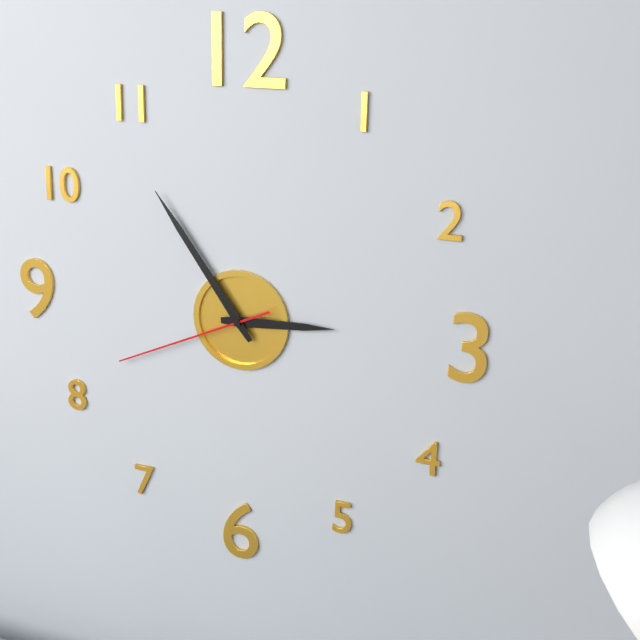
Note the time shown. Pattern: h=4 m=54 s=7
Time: h=2 m=54 s=41
